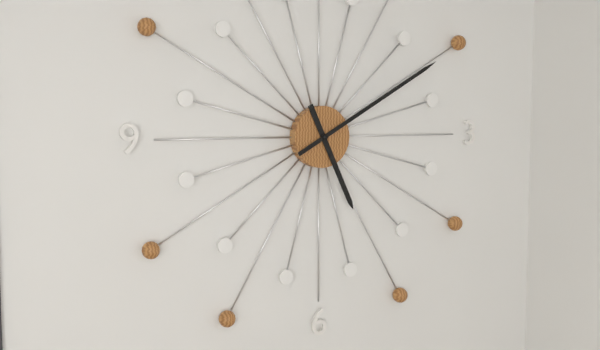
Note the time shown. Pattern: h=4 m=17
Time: h=5 m=10
